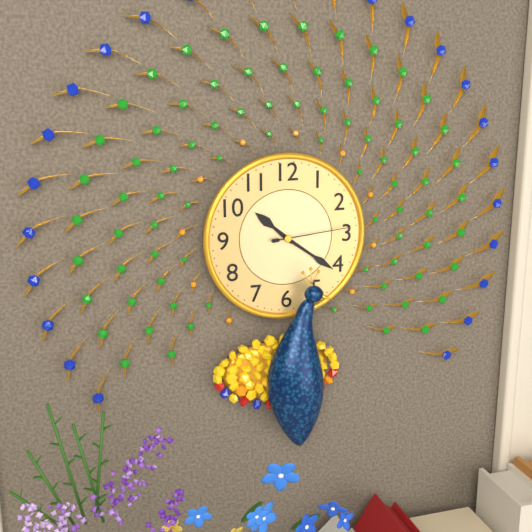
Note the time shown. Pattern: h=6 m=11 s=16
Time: h=10 m=21 s=14
